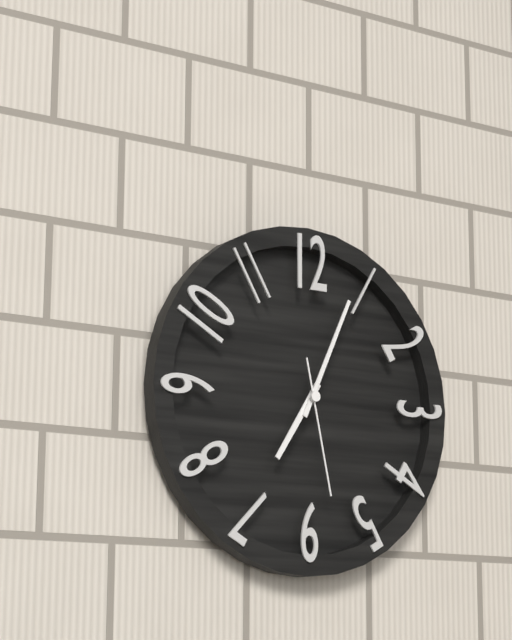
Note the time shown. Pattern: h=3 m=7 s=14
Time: h=7 m=4 s=28
